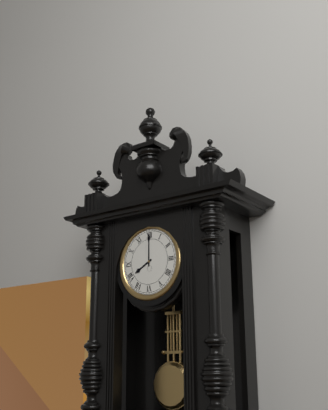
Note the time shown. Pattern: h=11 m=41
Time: h=8 m=0
